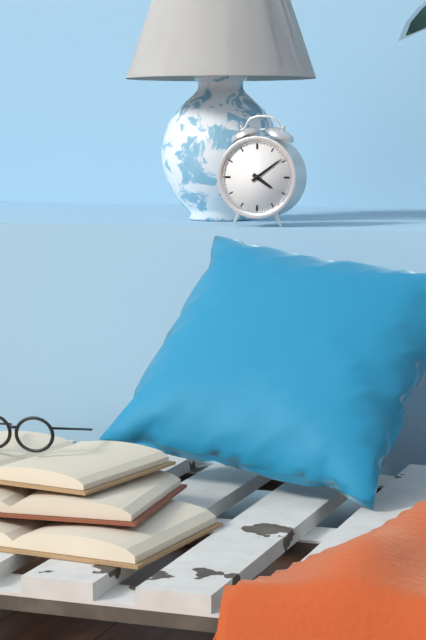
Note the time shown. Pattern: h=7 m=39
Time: h=4 m=9
